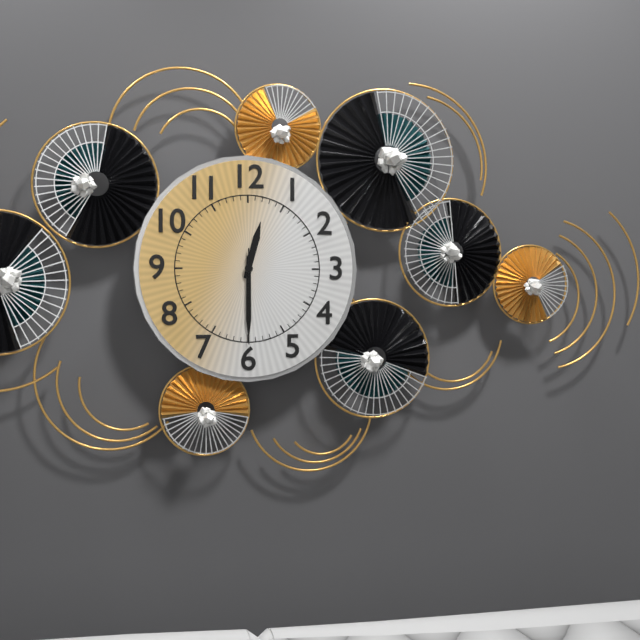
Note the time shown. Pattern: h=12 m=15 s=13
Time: h=12 m=30 s=30
